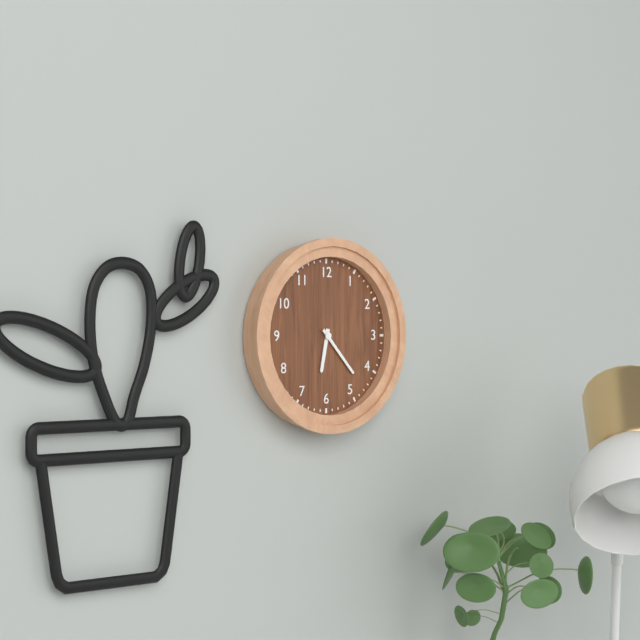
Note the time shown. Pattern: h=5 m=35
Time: h=6 m=23
